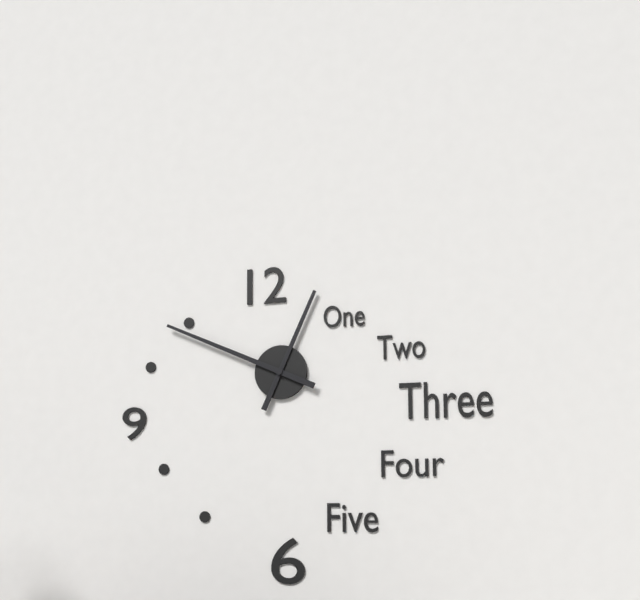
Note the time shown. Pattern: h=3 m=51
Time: h=12 m=49
